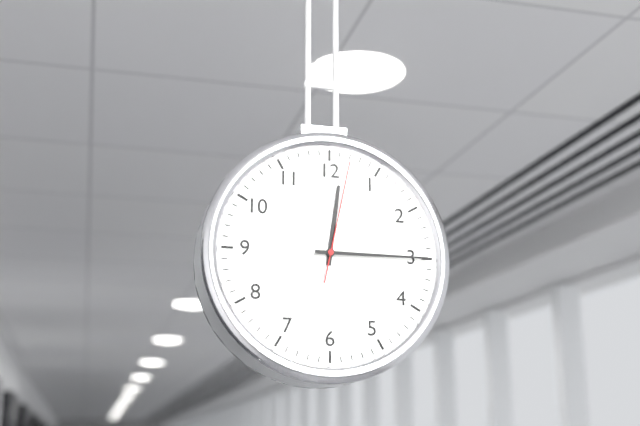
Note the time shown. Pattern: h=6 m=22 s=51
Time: h=12 m=15 s=2
